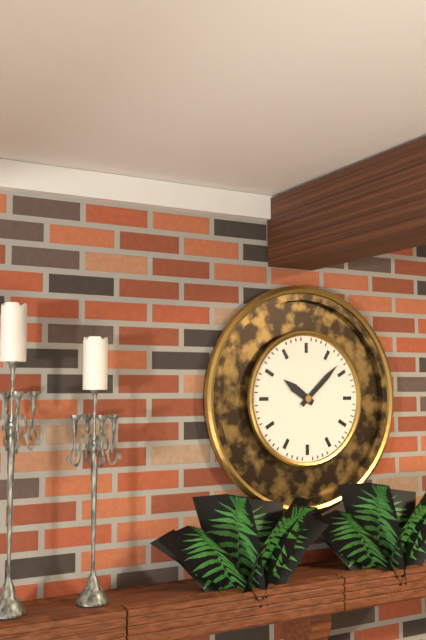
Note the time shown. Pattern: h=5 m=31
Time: h=10 m=8
